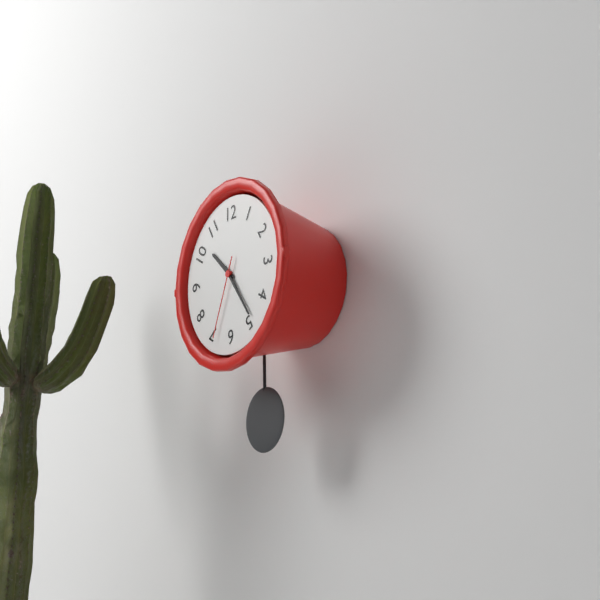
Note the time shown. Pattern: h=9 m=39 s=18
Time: h=10 m=24 s=34
